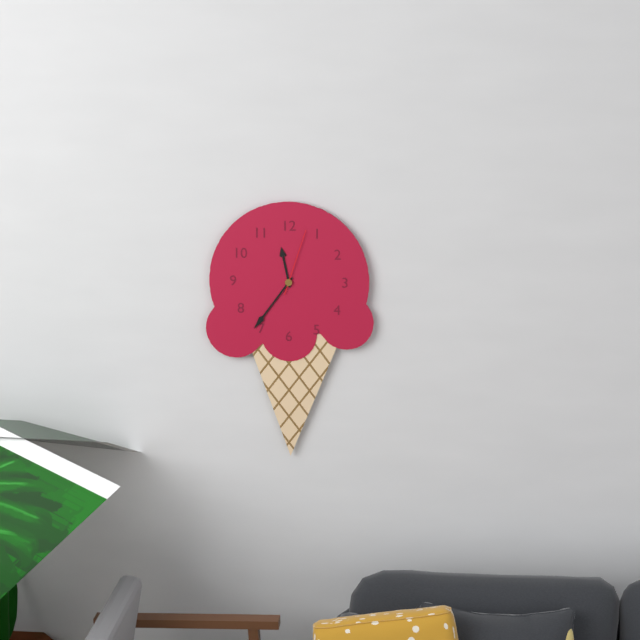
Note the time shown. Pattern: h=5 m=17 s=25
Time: h=11 m=36 s=3
